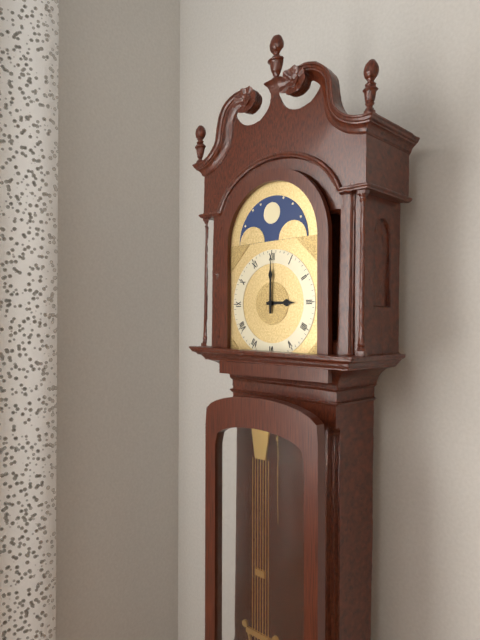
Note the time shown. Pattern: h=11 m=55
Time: h=3 m=0
